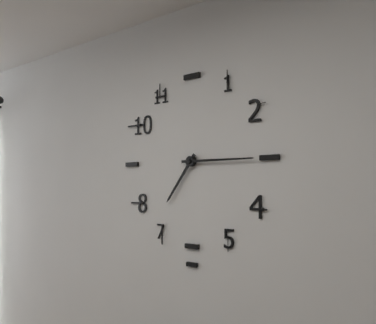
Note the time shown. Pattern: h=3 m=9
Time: h=7 m=15
